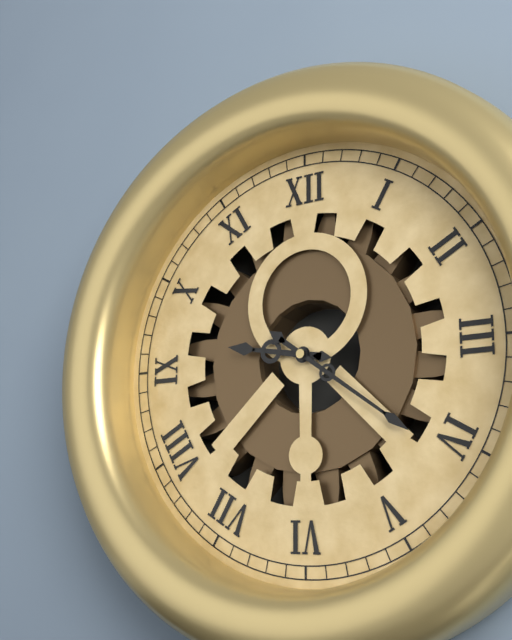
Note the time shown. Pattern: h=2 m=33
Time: h=9 m=21
